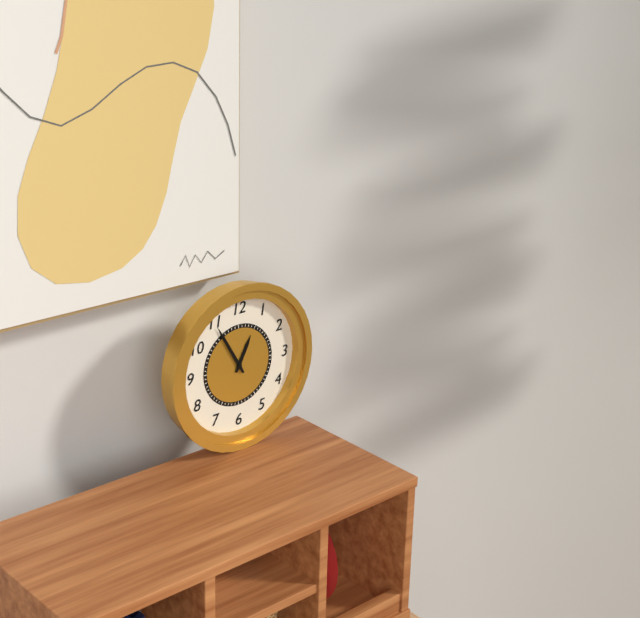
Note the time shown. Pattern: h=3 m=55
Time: h=12 m=55
